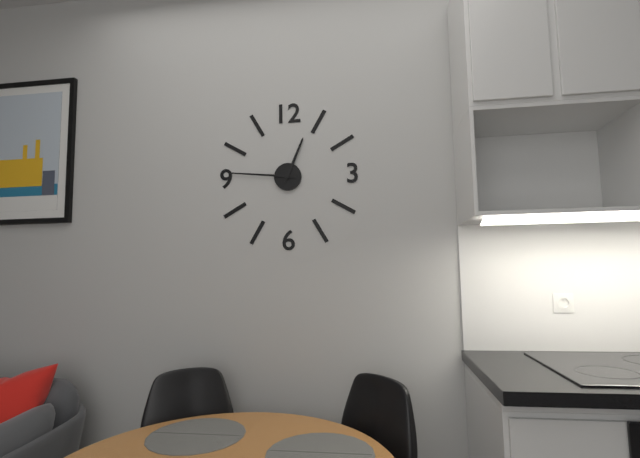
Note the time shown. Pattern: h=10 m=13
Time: h=12 m=46
